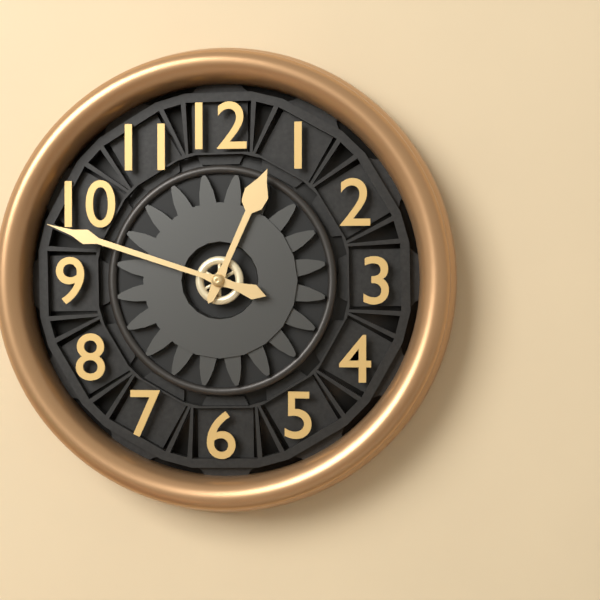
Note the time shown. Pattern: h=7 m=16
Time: h=12 m=48
